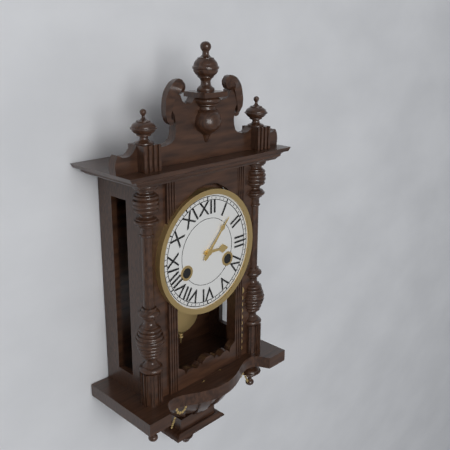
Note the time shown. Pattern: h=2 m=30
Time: h=3 m=7
